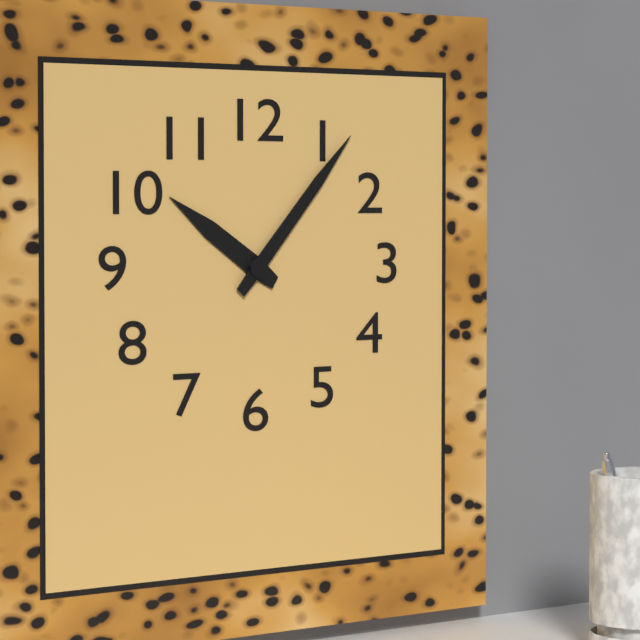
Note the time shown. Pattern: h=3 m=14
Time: h=10 m=7
